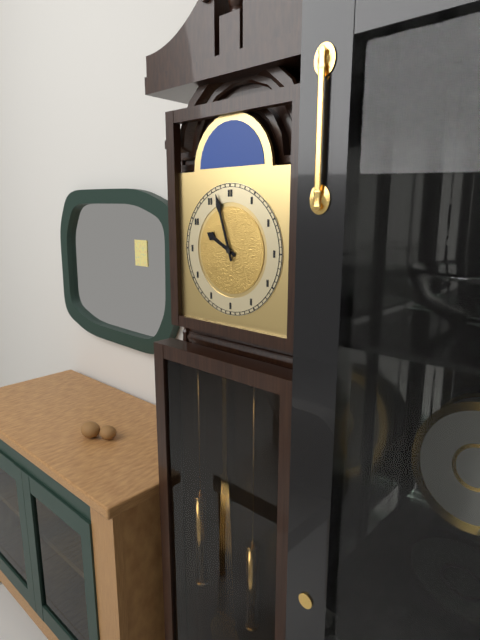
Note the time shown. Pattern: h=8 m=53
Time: h=9 m=57
